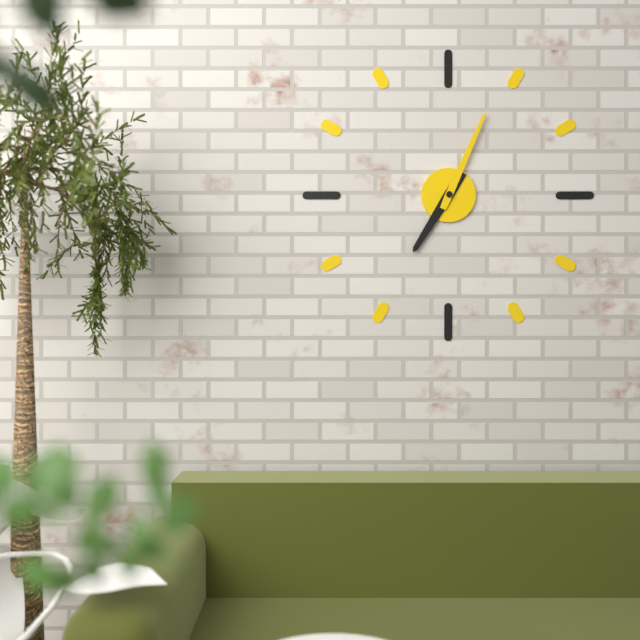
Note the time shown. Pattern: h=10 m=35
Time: h=7 m=4
